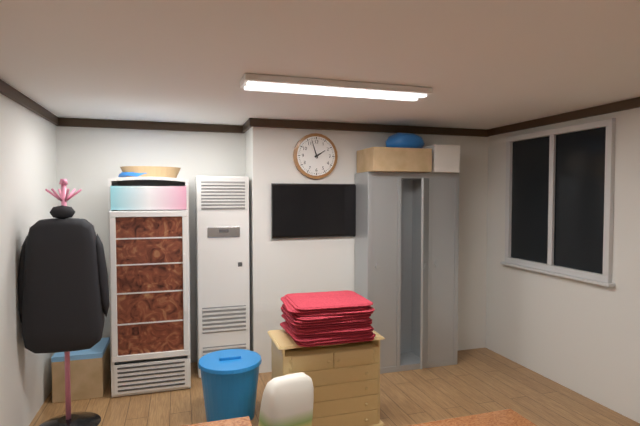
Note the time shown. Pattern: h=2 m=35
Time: h=1 m=57
